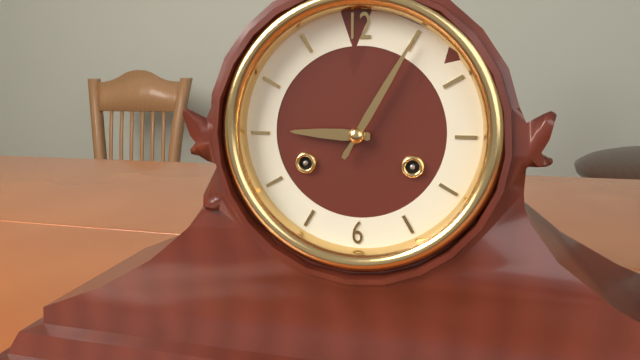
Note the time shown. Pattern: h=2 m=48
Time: h=9 m=5
